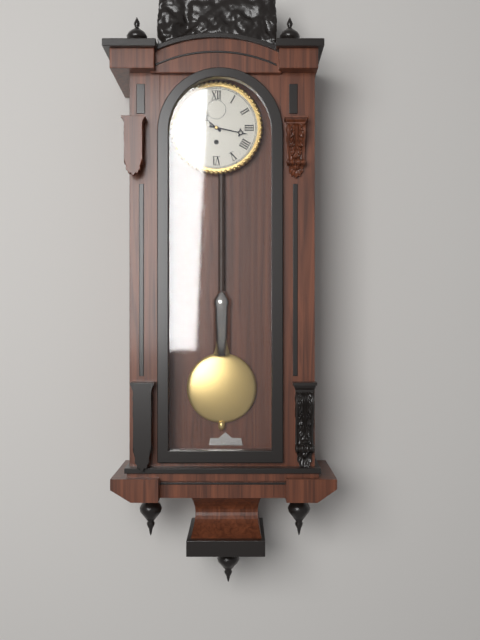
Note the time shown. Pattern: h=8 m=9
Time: h=10 m=17
